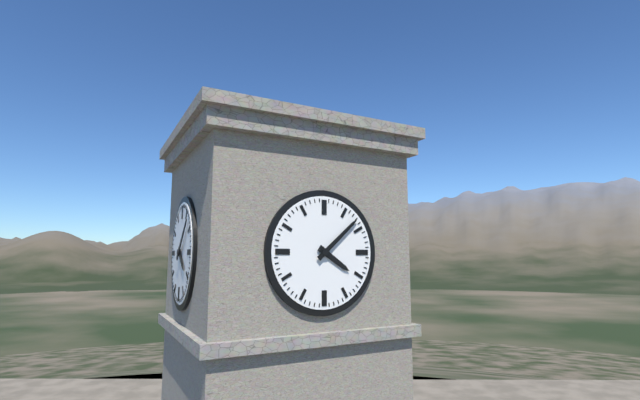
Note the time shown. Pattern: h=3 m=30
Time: h=4 m=8
